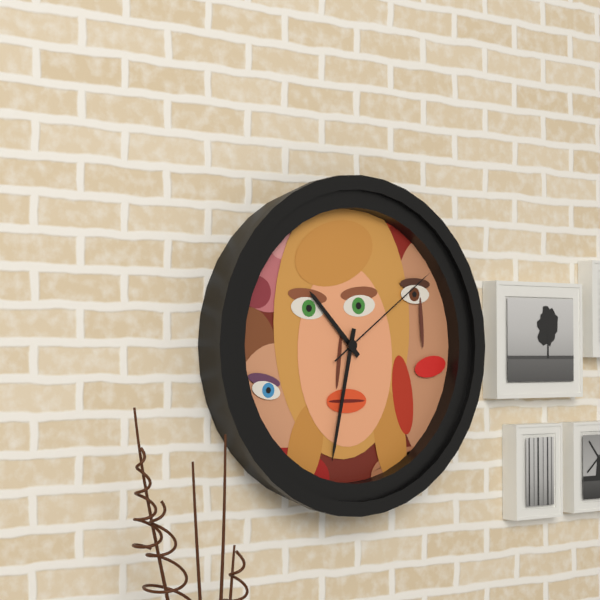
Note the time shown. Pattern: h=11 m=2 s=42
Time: h=10 m=32 s=9
